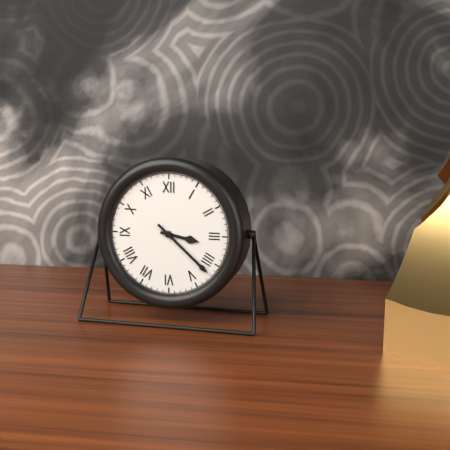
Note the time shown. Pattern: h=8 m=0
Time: h=3 m=22
